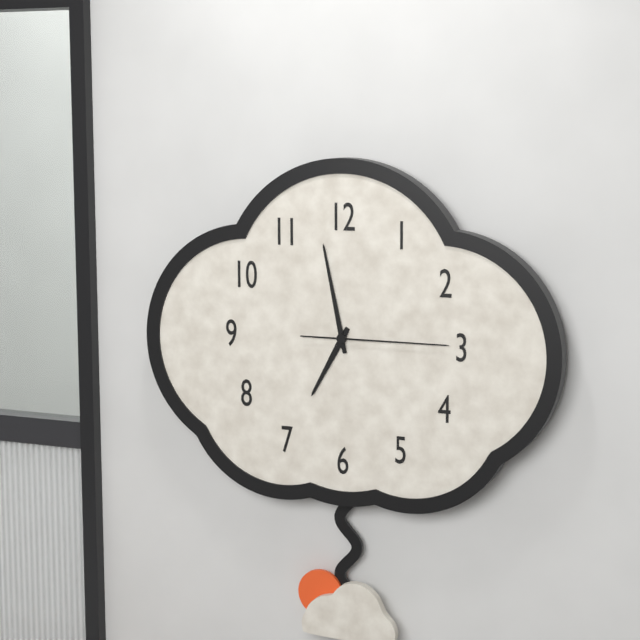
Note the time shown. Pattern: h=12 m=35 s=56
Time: h=6 m=58 s=15
